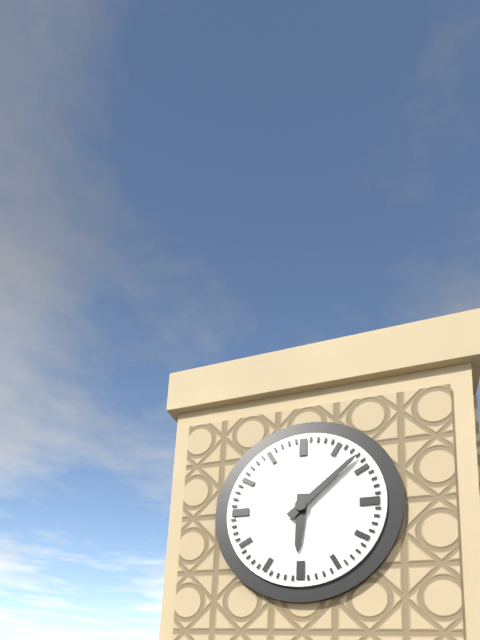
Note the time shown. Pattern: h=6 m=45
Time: h=6 m=8
